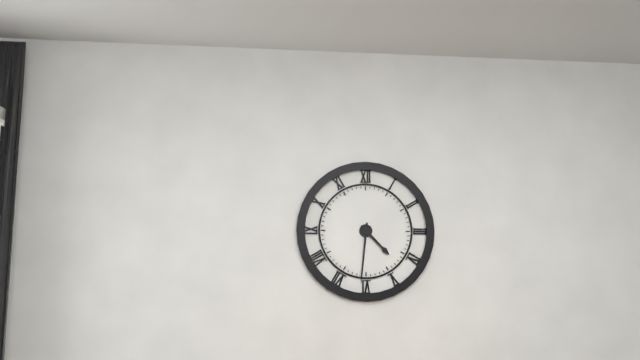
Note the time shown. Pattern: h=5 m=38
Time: h=4 m=31
